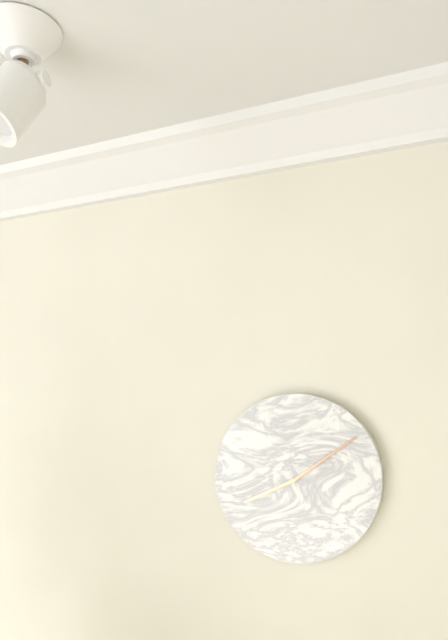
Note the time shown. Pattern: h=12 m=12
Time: h=8 m=9
